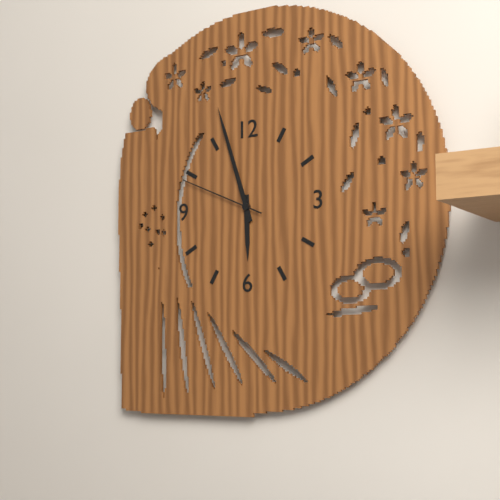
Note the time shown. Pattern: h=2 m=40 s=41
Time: h=5 m=57 s=49
